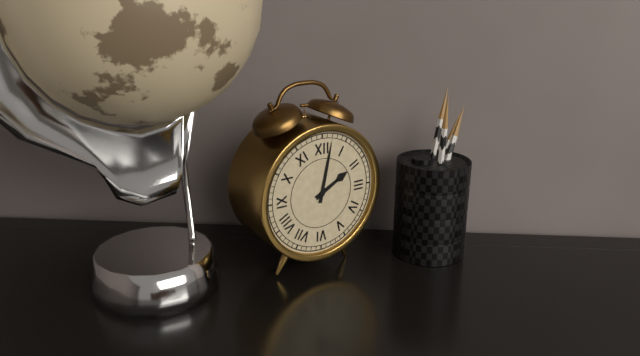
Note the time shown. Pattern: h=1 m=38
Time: h=2 m=2
